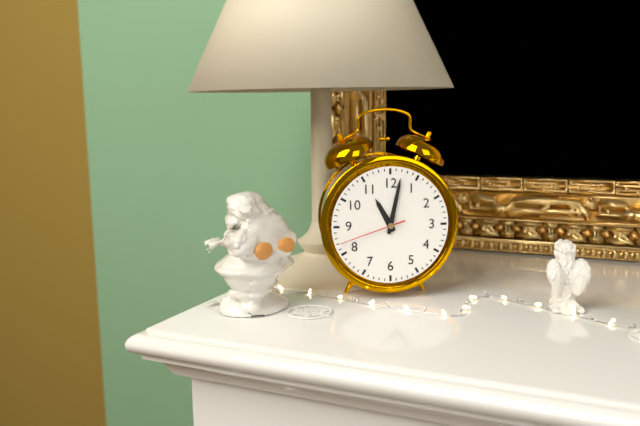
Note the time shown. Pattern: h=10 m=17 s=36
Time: h=11 m=2 s=42
